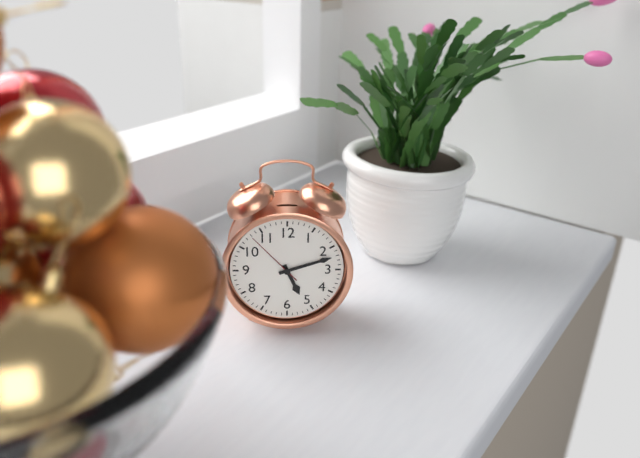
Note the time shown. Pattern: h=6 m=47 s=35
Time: h=5 m=12 s=53
